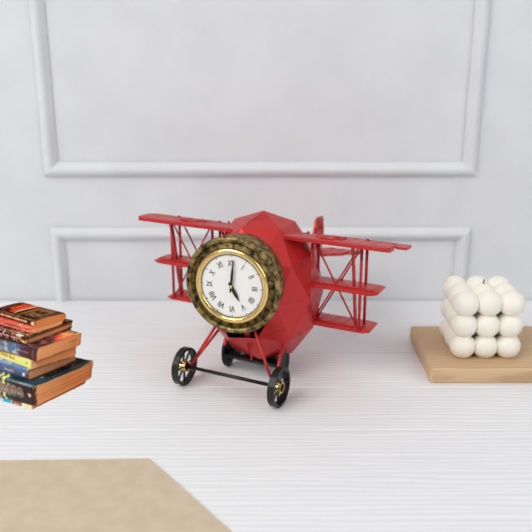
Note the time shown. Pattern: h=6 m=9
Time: h=5 m=1
